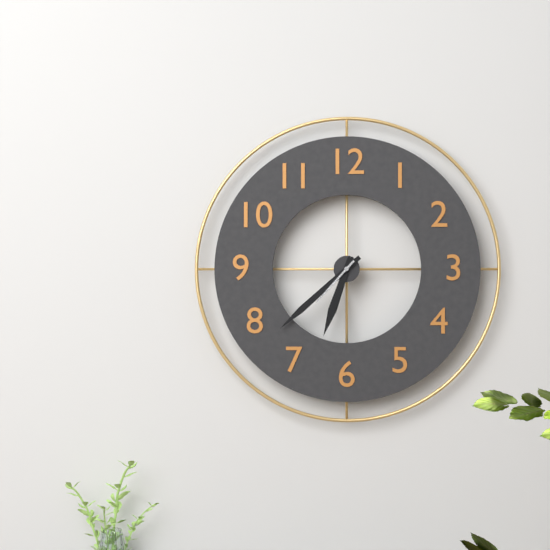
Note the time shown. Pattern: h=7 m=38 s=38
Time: h=6 m=38 s=37
